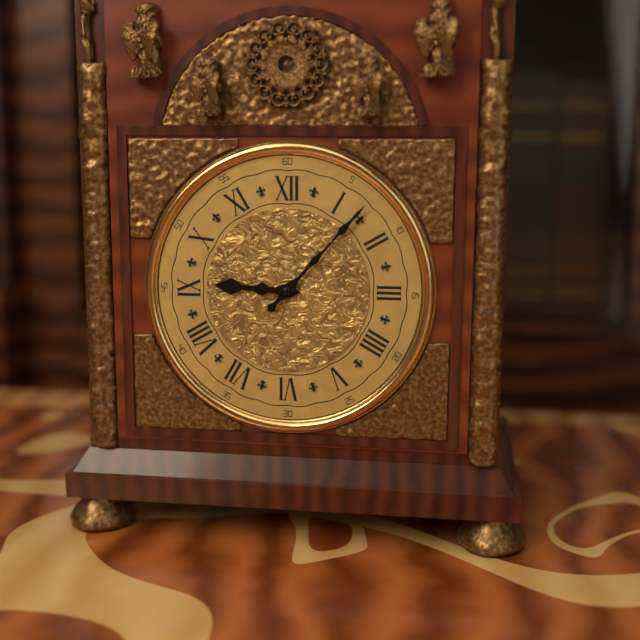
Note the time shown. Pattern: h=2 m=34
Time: h=9 m=7
